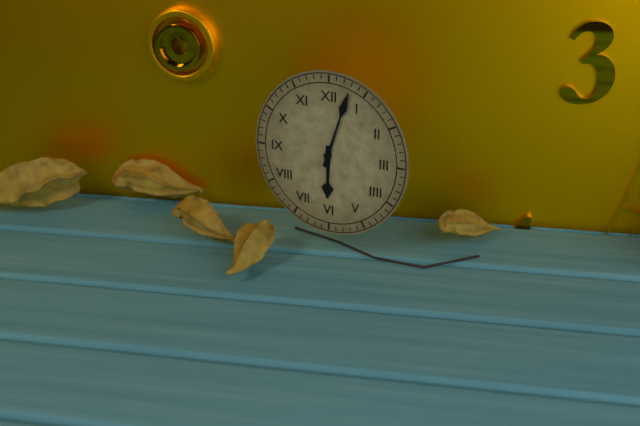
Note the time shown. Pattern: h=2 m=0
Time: h=6 m=3
